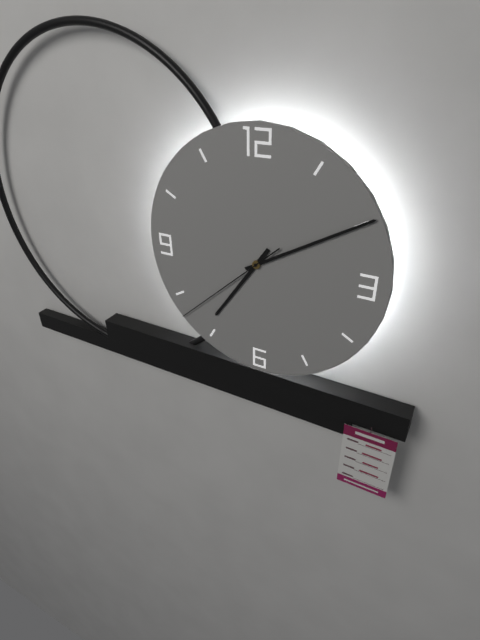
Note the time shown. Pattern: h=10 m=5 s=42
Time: h=7 m=10 s=38
